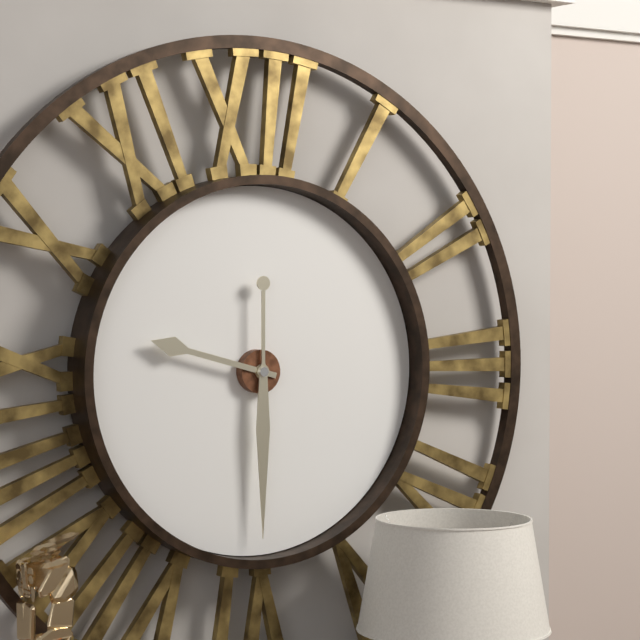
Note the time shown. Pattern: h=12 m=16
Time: h=9 m=30
